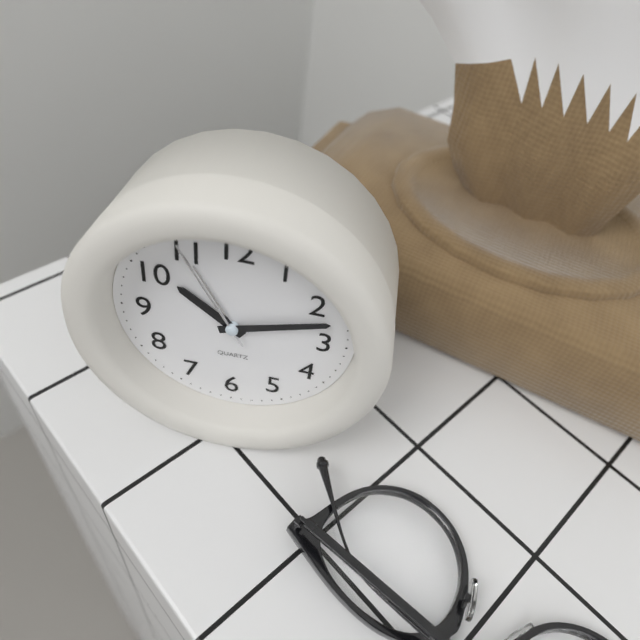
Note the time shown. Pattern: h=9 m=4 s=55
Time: h=10 m=12 s=55
